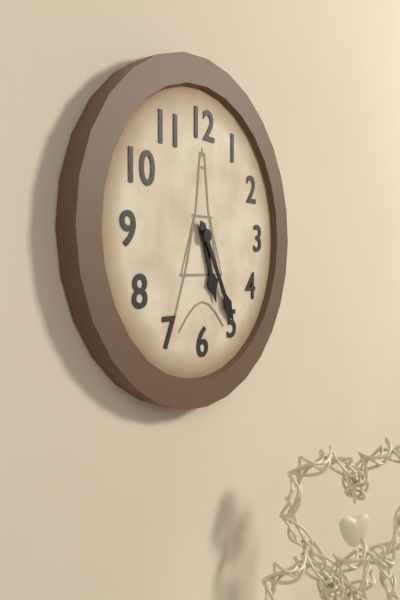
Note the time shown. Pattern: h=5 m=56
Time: h=5 m=25
